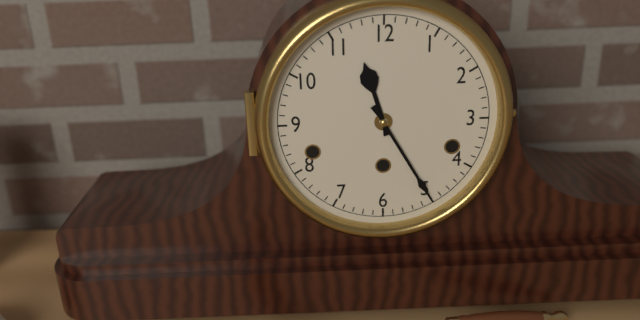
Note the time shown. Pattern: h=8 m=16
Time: h=11 m=25
